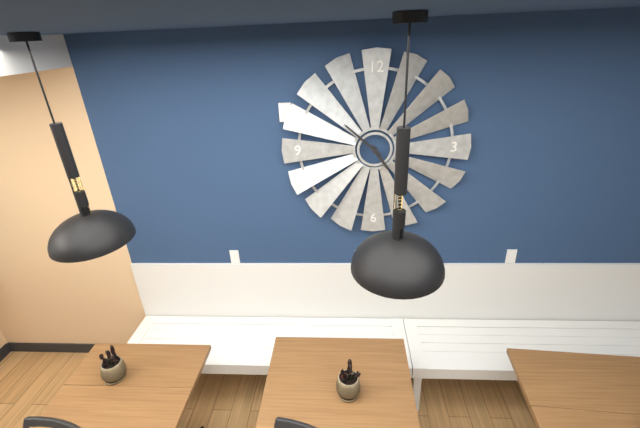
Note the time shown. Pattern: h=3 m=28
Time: h=4 m=52
